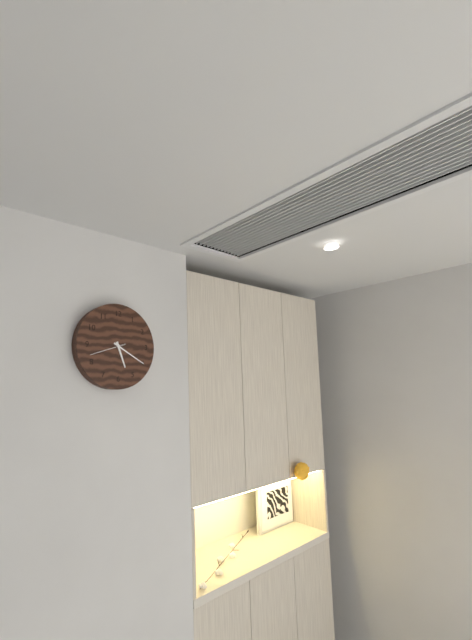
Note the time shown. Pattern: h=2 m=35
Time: h=5 m=20
